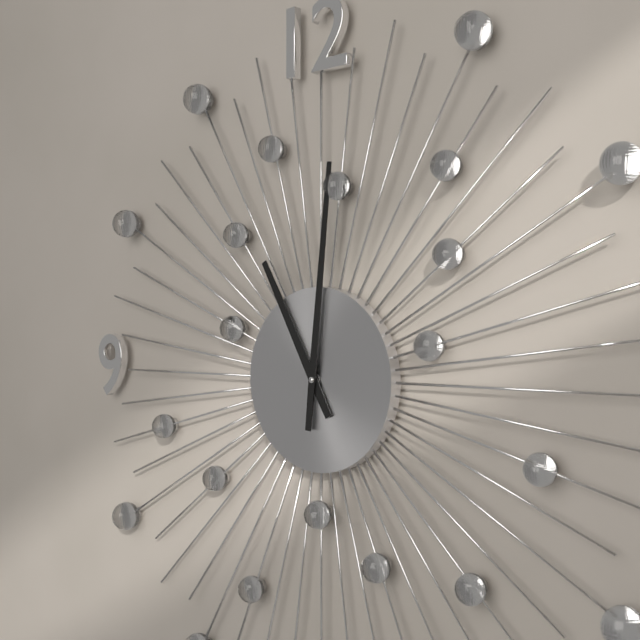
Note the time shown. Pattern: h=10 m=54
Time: h=11 m=1
